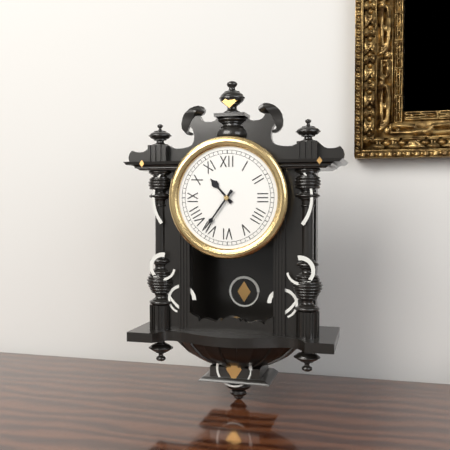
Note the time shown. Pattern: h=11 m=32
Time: h=10 m=36
